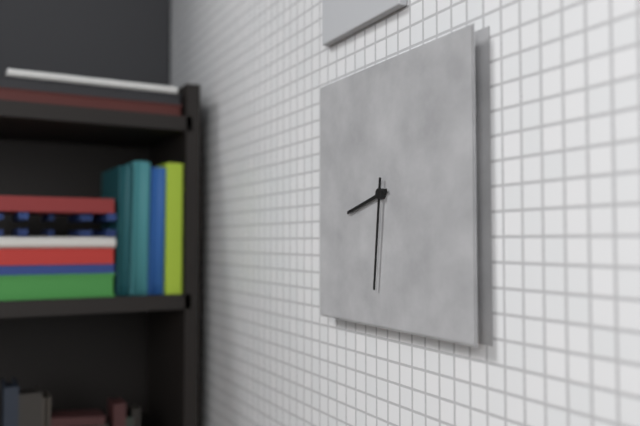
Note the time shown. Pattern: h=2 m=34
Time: h=8 m=31
